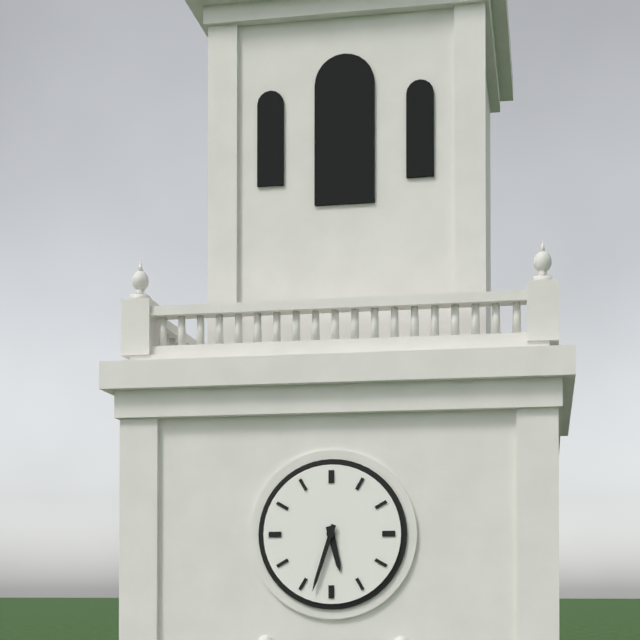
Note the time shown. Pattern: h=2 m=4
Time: h=5 m=33
